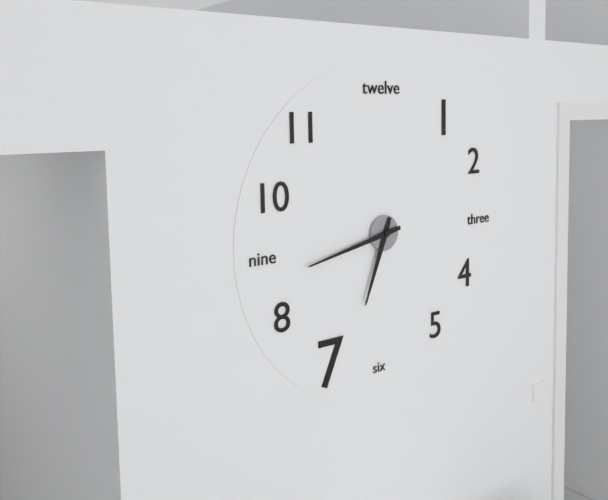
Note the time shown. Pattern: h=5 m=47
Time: h=6 m=43
